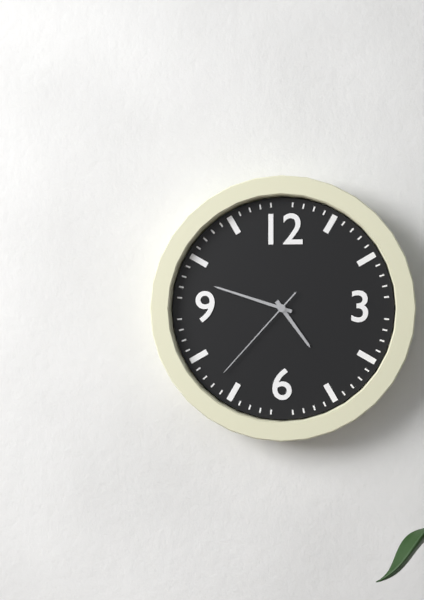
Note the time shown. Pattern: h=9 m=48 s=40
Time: h=4 m=48 s=37
